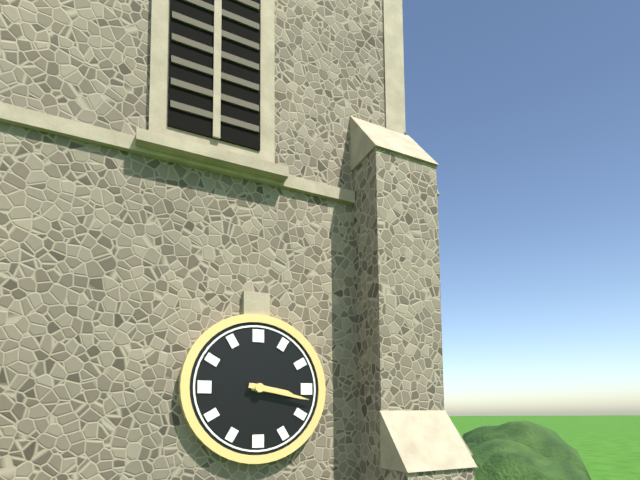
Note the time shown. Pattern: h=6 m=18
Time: h=3 m=17
